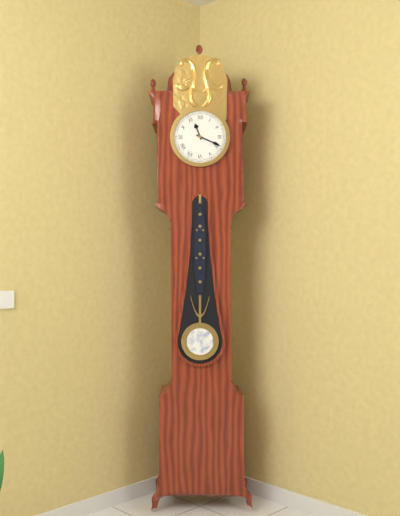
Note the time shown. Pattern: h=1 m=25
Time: h=11 m=19
